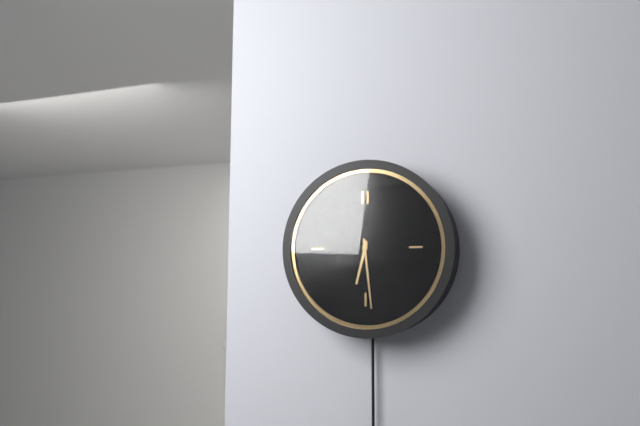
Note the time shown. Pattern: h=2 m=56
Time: h=6 m=29
